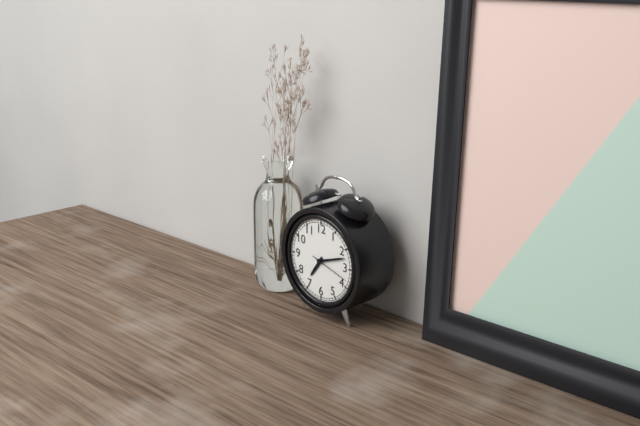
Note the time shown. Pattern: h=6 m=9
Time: h=7 m=12
